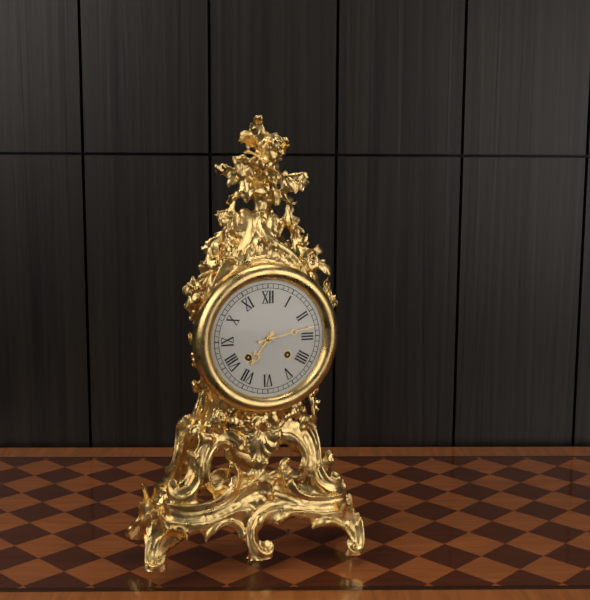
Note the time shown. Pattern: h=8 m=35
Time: h=7 m=13
